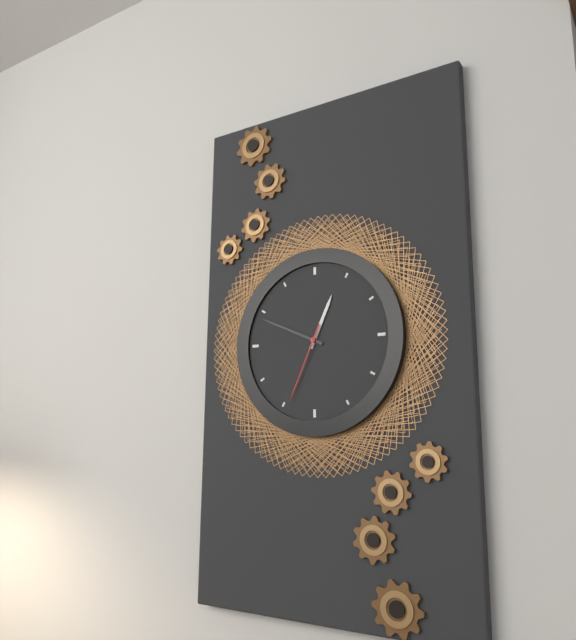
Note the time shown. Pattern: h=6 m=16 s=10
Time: h=12 m=49 s=34
